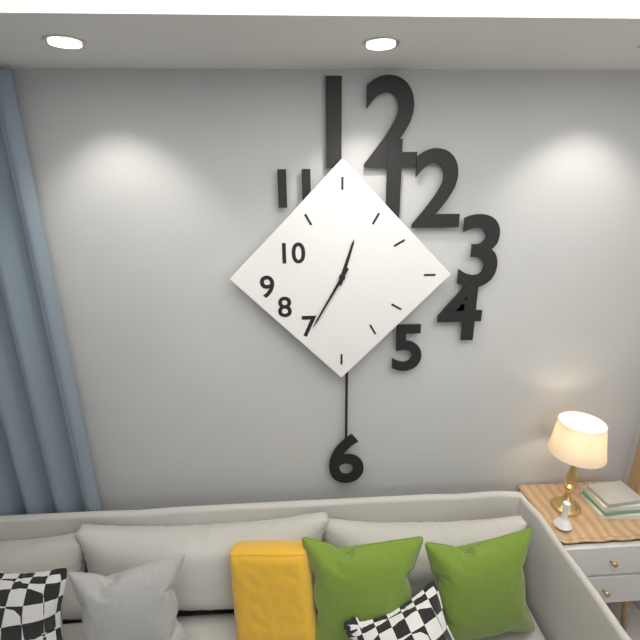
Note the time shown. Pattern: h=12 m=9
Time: h=12 m=35
